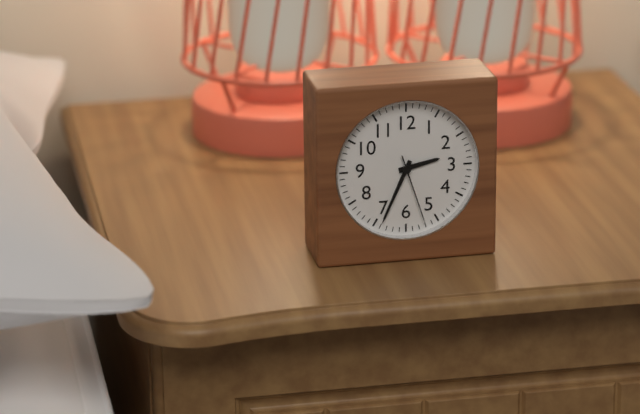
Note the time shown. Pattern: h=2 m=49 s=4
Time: h=2 m=34 s=27
